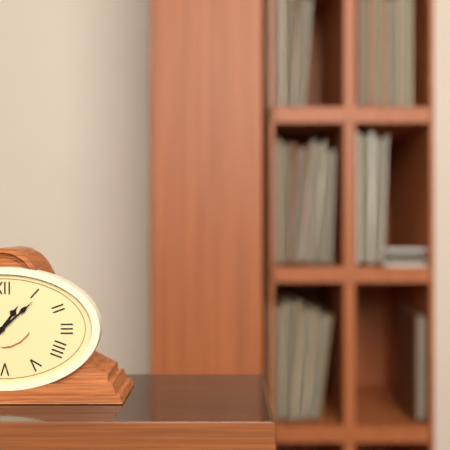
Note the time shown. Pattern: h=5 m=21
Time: h=1 m=8
